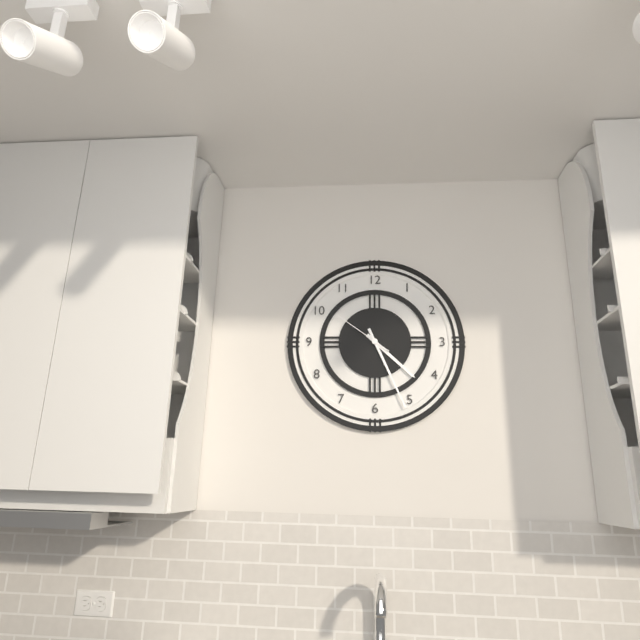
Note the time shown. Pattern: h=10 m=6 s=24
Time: h=4 m=26 s=51
